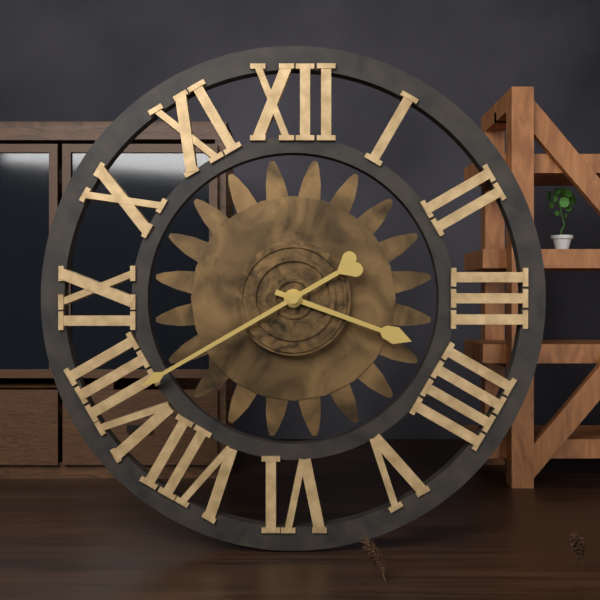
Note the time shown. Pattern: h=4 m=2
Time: h=3 m=40
